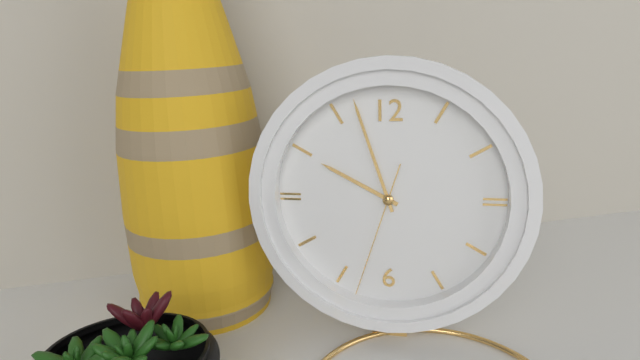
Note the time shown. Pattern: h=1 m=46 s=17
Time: h=9 m=57 s=33
